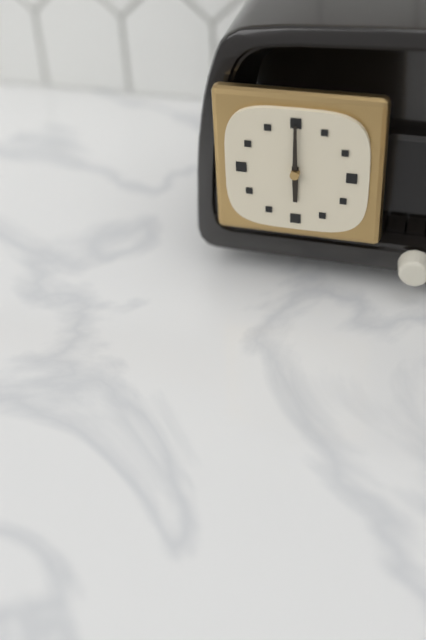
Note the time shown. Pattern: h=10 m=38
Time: h=6 m=0
